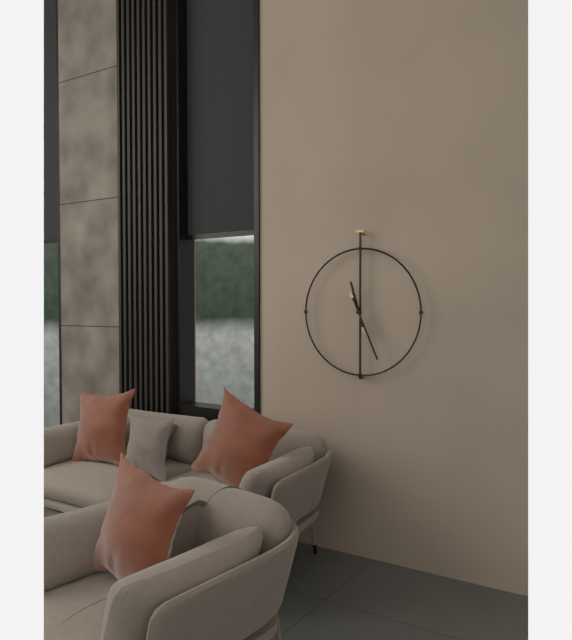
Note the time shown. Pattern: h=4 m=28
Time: h=11 m=26
